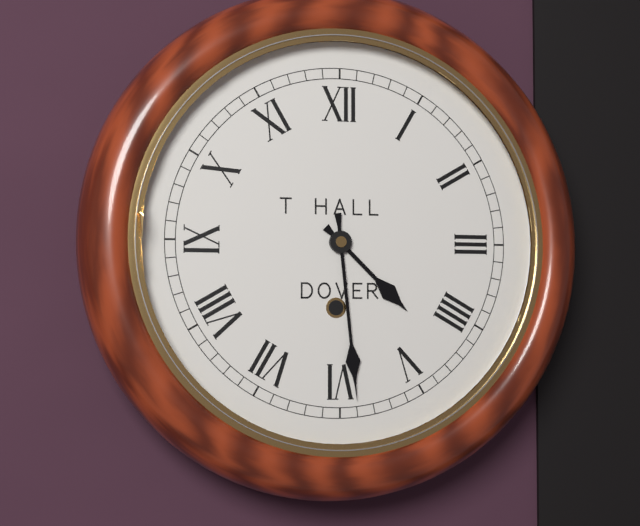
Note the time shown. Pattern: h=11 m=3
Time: h=4 m=29
